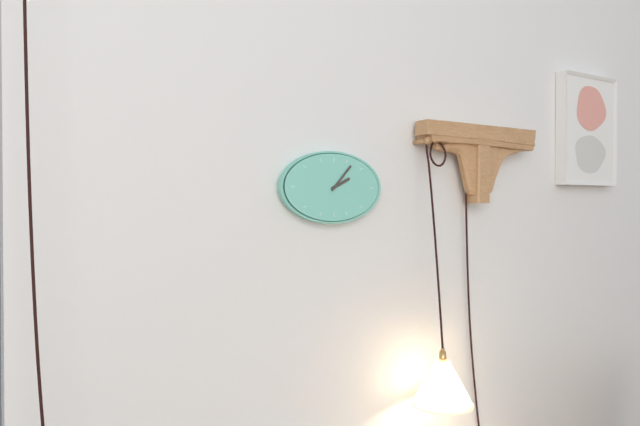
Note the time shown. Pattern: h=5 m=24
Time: h=2 m=7
